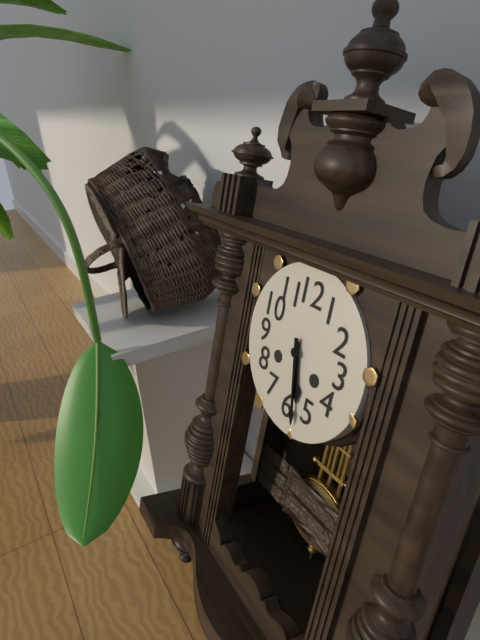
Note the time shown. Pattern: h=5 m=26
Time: h=5 m=28
